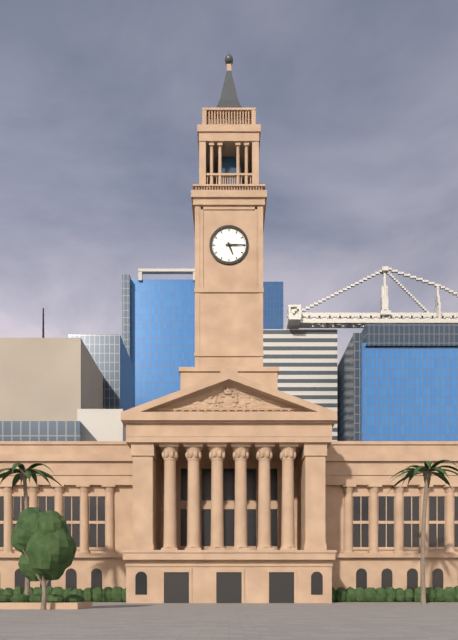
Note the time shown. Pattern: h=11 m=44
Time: h=5 m=15
